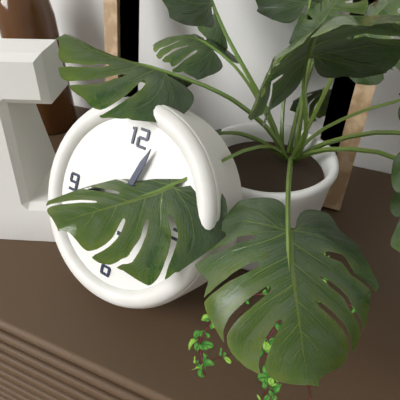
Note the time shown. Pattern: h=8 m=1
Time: h=9 m=3
